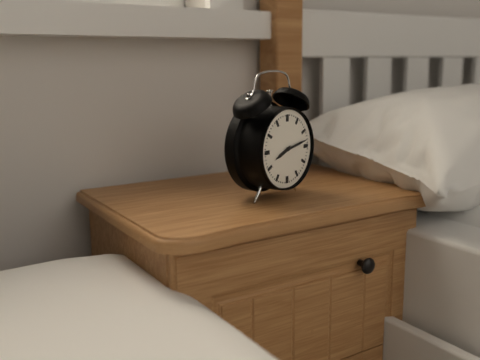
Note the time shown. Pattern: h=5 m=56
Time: h=8 m=13
